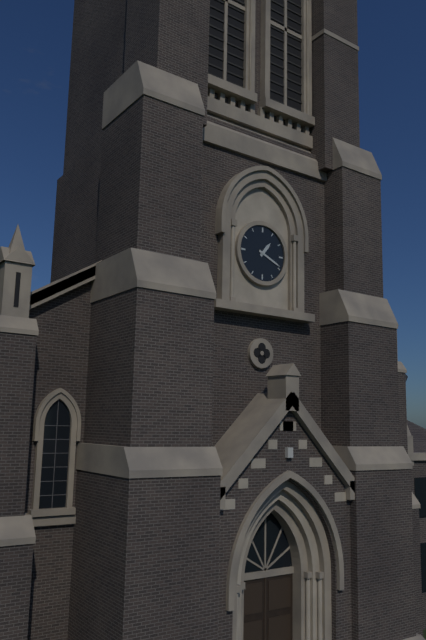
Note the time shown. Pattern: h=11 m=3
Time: h=1 m=19
